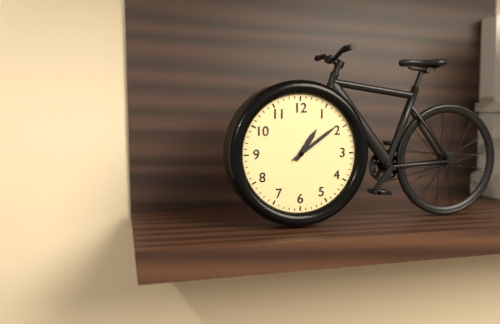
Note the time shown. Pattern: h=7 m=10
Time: h=1 m=9
